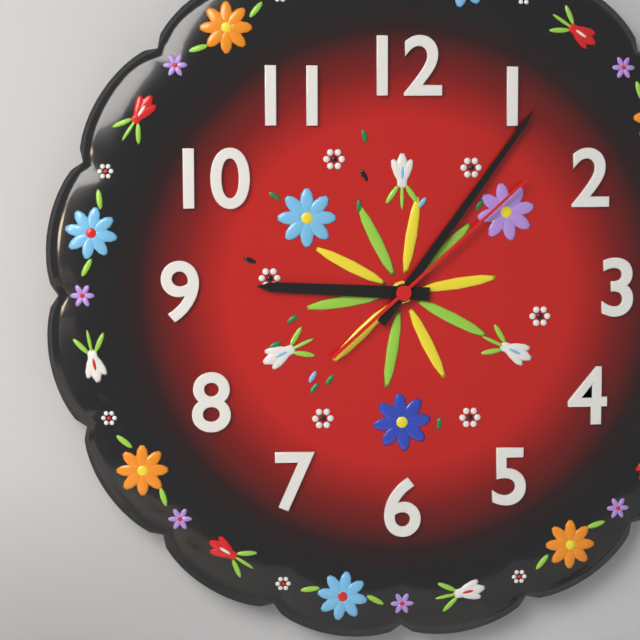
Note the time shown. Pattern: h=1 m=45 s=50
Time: h=9 m=6 s=8
